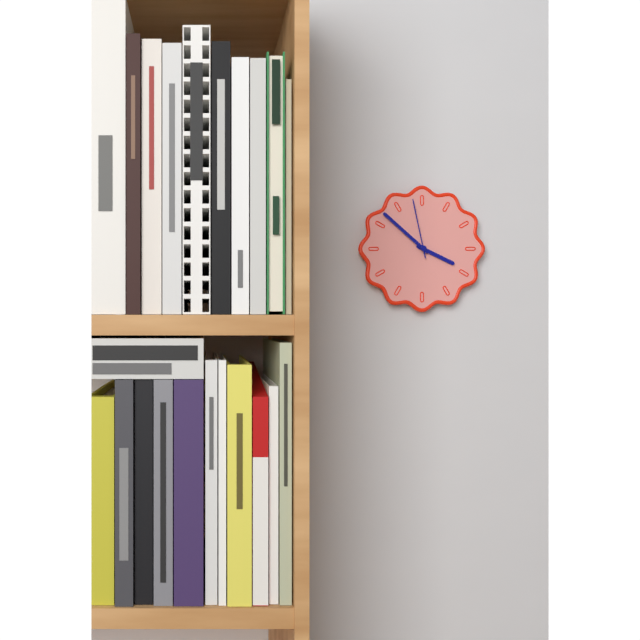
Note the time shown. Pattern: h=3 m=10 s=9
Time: h=3 m=52 s=58
